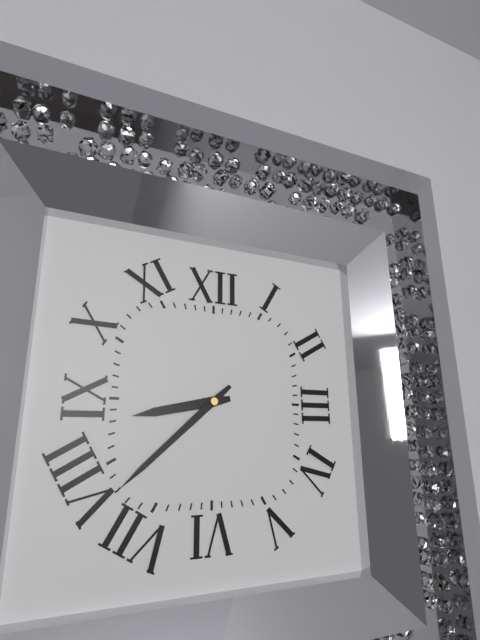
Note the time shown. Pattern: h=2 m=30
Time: h=8 m=38
